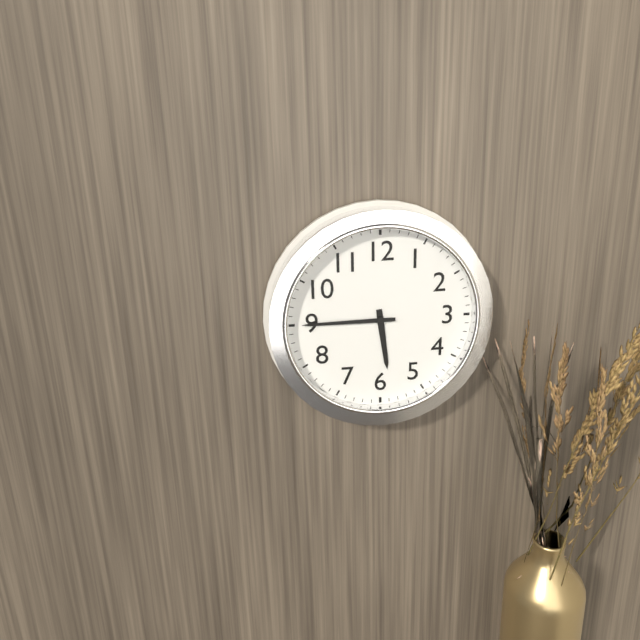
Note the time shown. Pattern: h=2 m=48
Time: h=5 m=45
